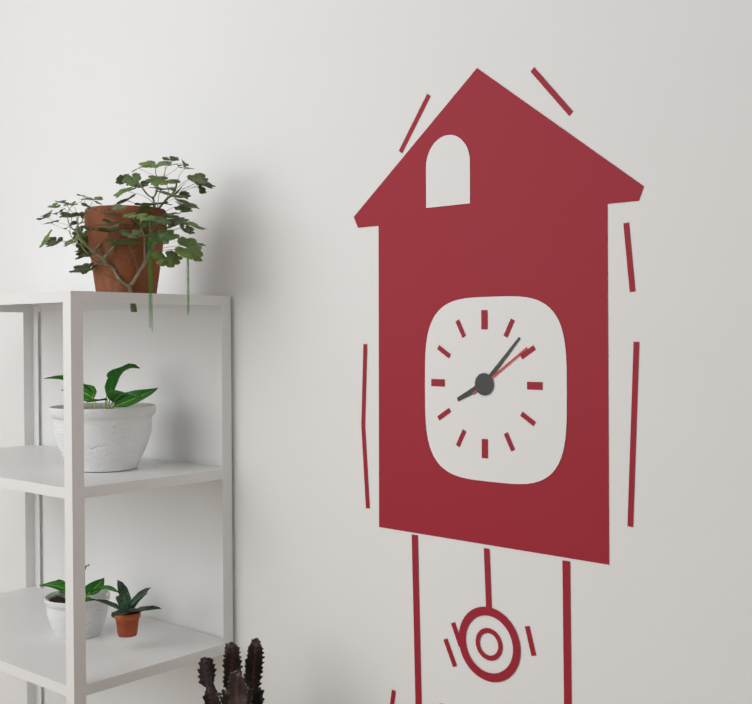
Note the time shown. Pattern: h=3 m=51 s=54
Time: h=8 m=7 s=9
